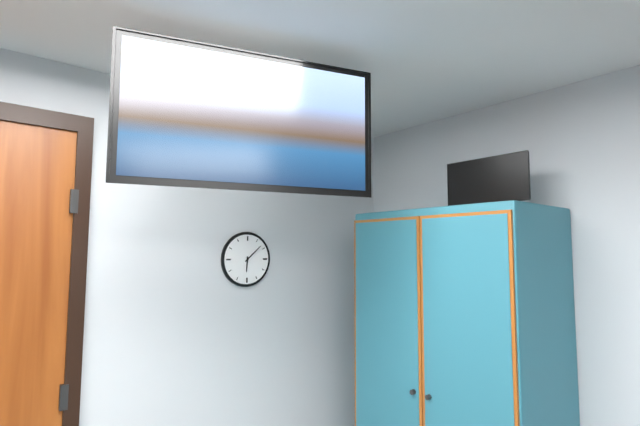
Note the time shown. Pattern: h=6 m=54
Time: h=6 m=8
